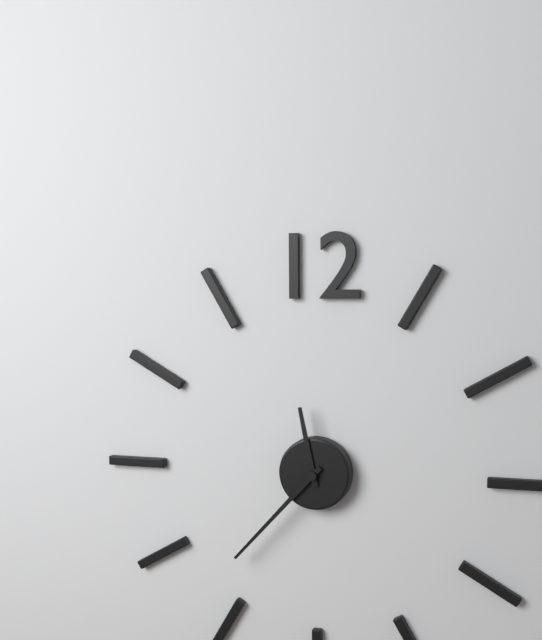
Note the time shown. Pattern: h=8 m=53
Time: h=11 m=37
